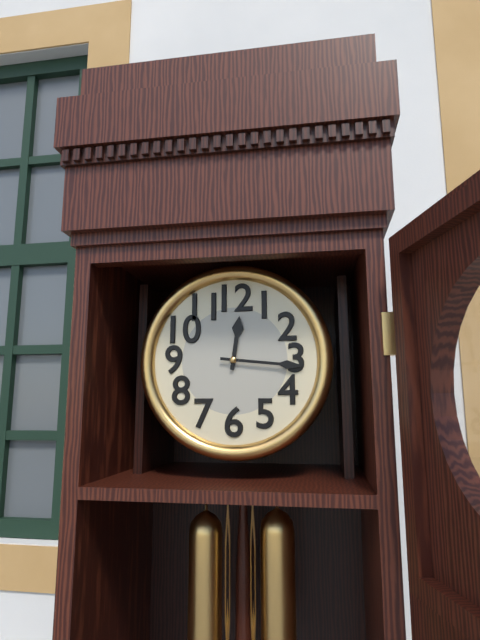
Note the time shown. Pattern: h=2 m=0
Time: h=12 m=16
